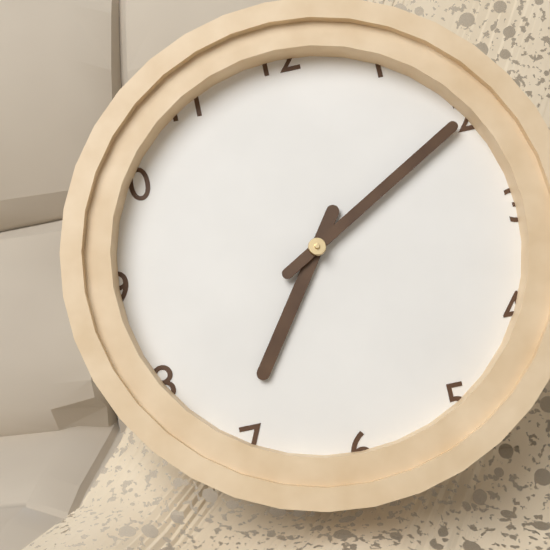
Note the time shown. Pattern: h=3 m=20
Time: h=7 m=10
